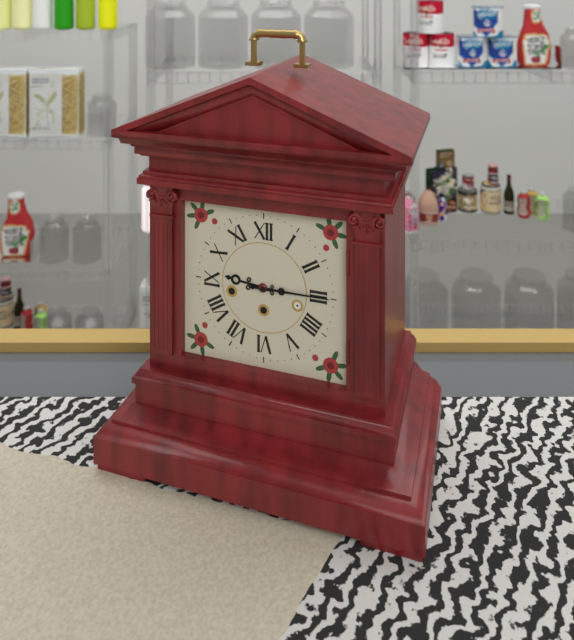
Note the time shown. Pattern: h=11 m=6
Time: h=9 m=15
